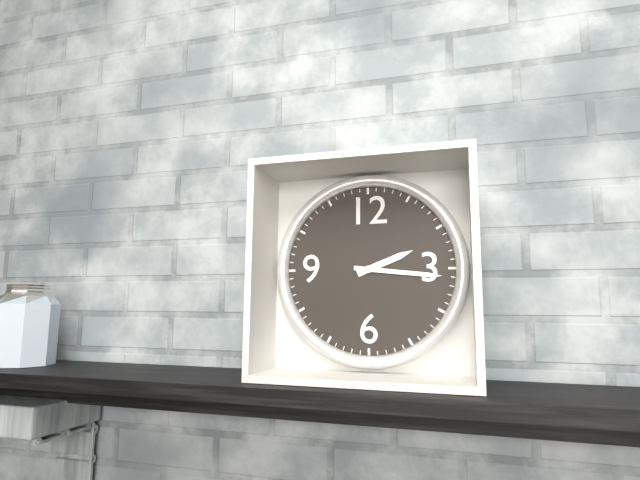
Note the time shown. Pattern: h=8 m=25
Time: h=2 m=16
